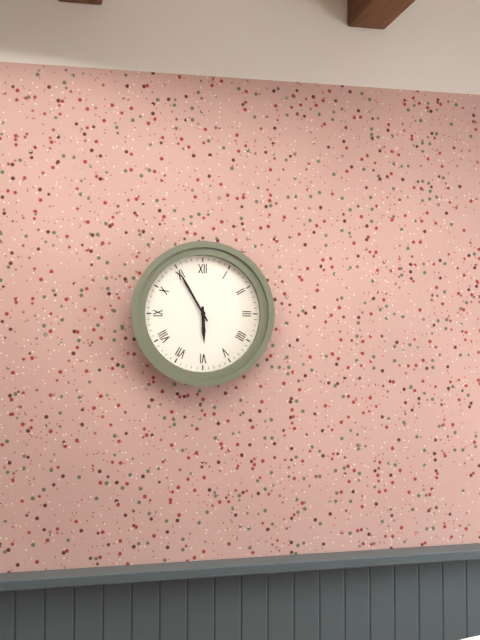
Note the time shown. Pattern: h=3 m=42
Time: h=5 m=55
